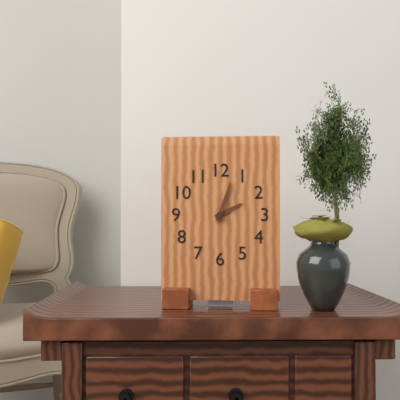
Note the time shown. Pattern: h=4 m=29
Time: h=2 m=3
